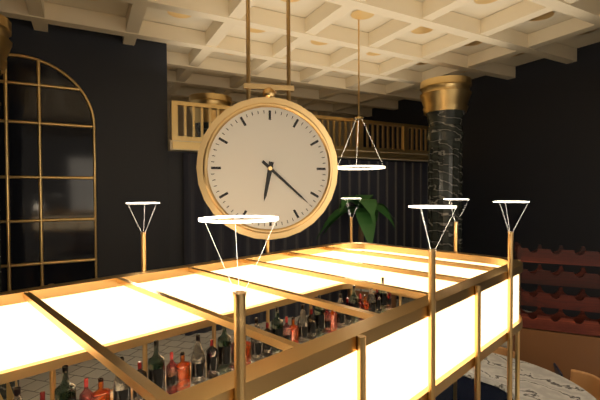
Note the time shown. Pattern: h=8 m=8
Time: h=6 m=22
